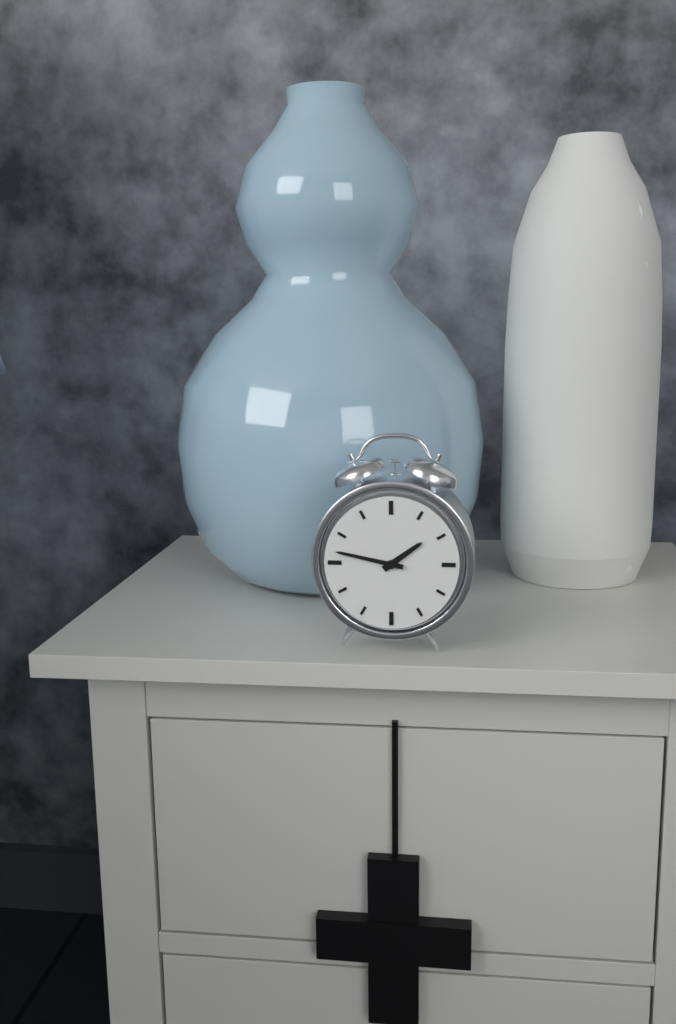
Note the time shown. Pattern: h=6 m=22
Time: h=1 m=47
